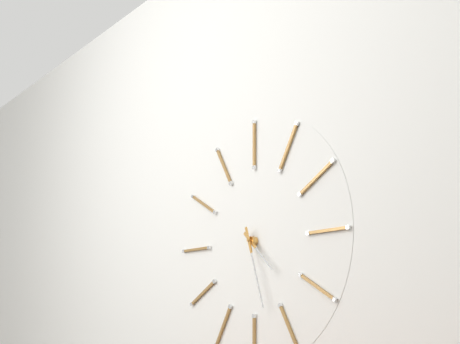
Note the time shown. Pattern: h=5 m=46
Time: h=4 m=27
